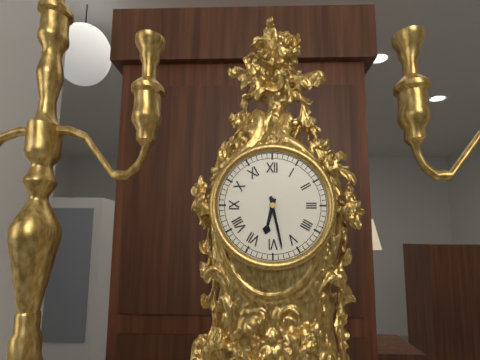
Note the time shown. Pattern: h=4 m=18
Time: h=6 m=28
